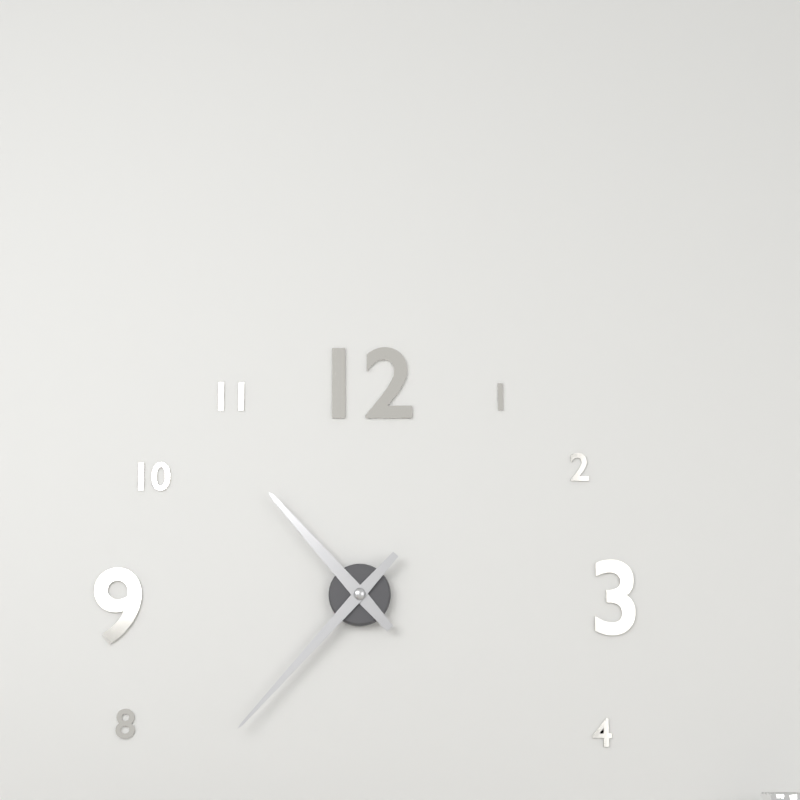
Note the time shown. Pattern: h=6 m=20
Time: h=10 m=37
